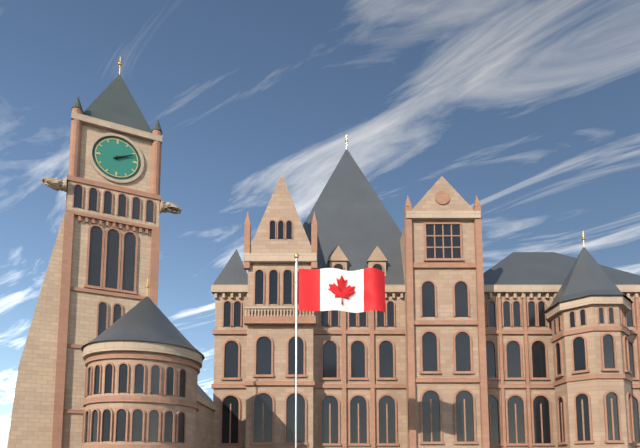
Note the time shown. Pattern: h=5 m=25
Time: h=2 m=11
